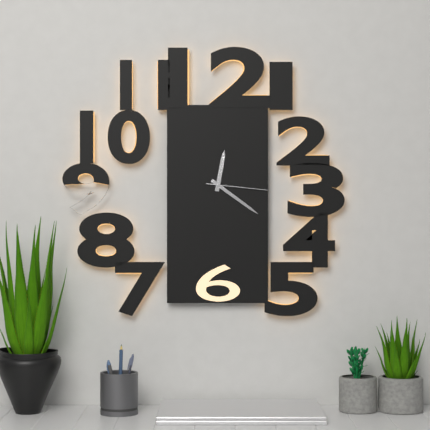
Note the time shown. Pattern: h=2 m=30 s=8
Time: h=12 m=21 s=16
